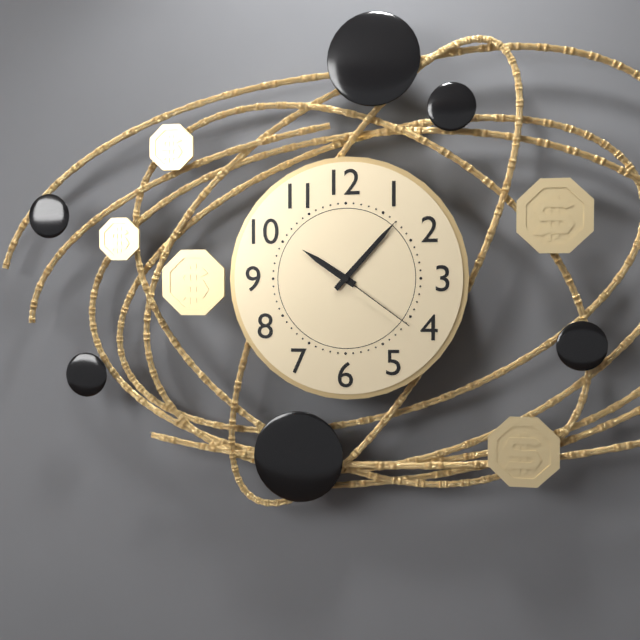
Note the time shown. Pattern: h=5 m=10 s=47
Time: h=10 m=7 s=21
